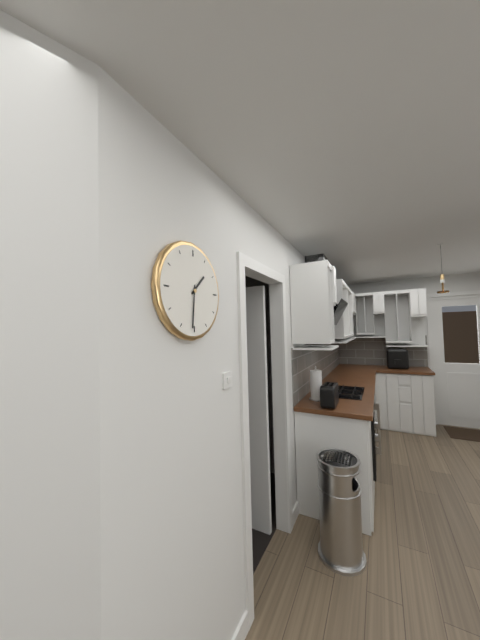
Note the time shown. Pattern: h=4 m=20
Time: h=1 m=31
